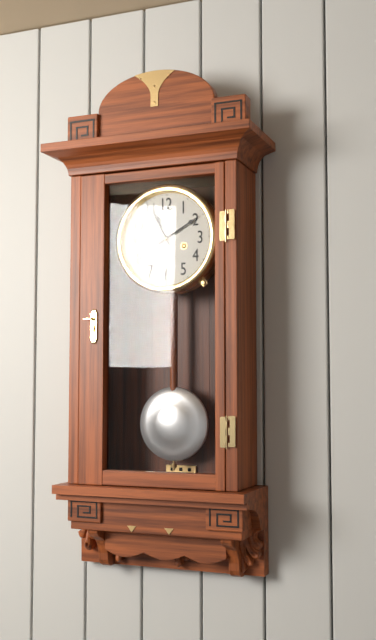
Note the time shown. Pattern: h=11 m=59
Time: h=11 m=10
